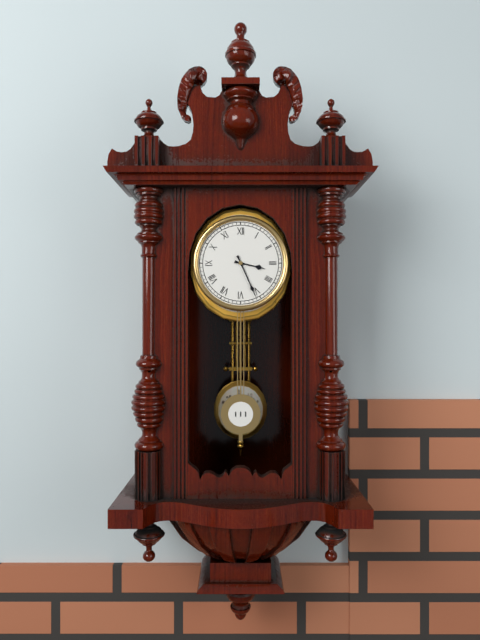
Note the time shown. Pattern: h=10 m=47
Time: h=3 m=26
